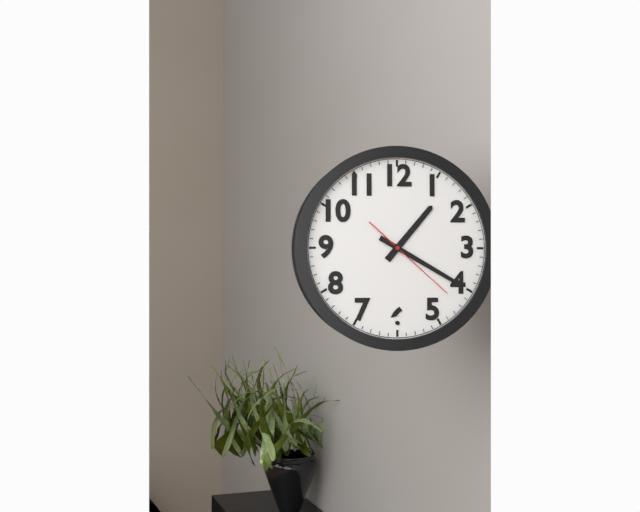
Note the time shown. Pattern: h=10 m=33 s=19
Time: h=1 m=20 s=22
